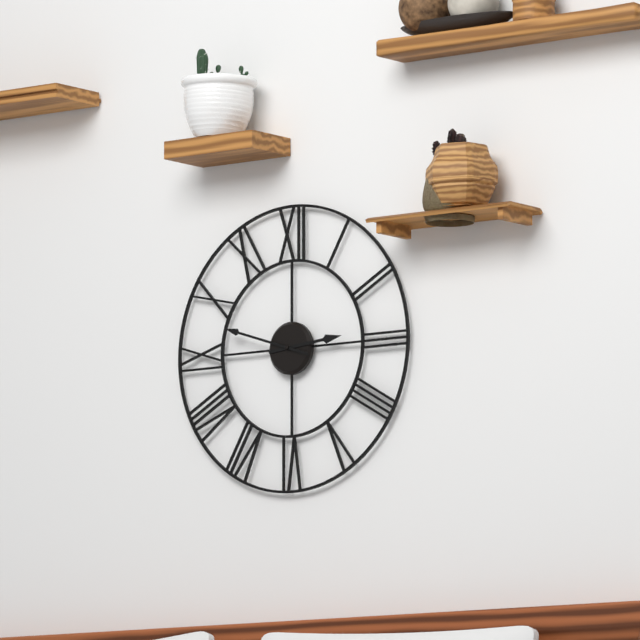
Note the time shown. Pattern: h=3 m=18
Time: h=2 m=48
